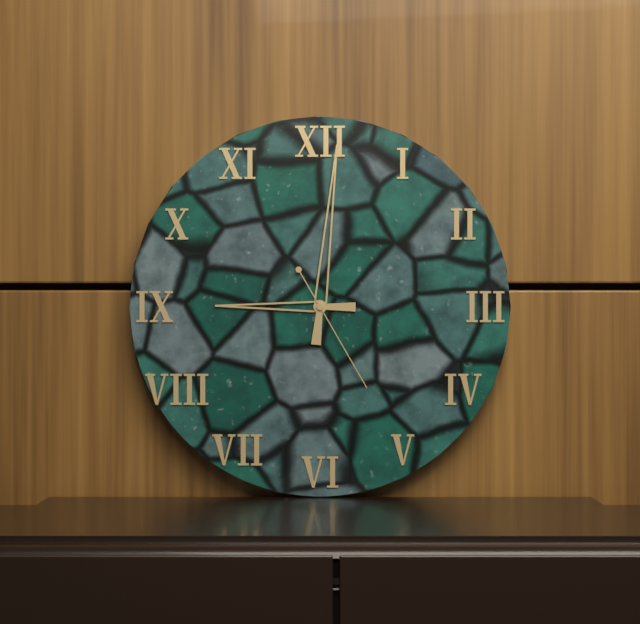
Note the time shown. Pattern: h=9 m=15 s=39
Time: h=9 m=1 s=25
